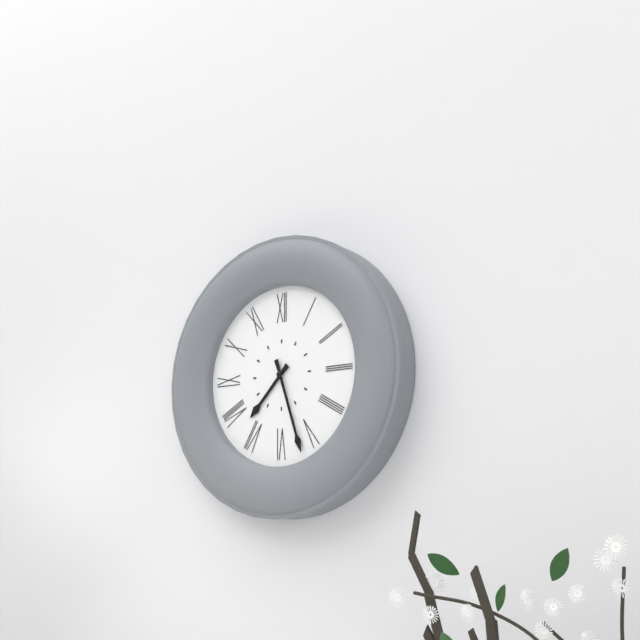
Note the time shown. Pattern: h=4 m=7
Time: h=7 m=27
